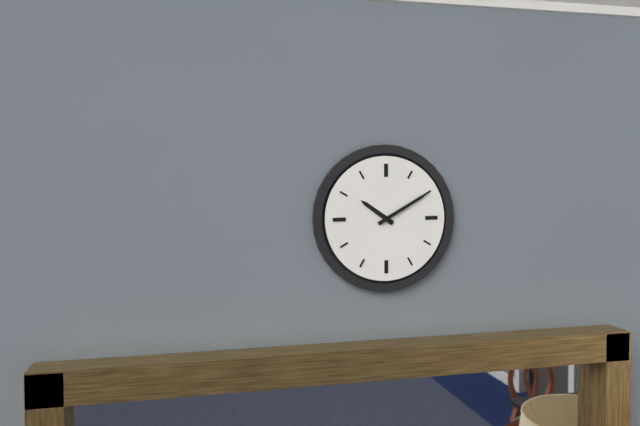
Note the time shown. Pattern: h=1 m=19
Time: h=10 m=10
